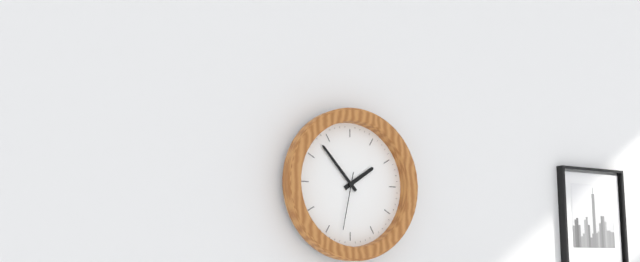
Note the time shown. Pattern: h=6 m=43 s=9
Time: h=1 m=53 s=32
